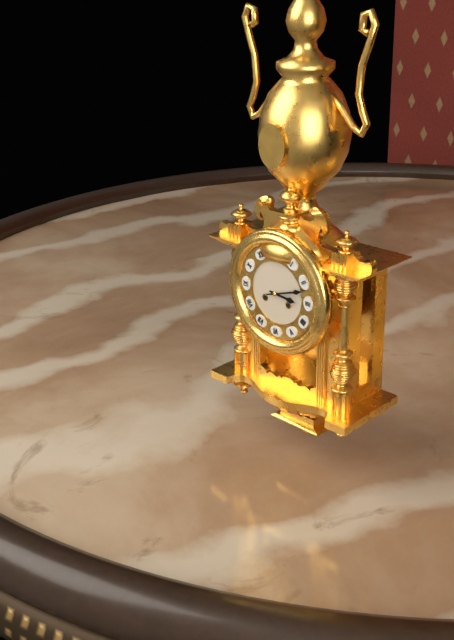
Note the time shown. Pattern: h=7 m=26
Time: h=3 m=12
